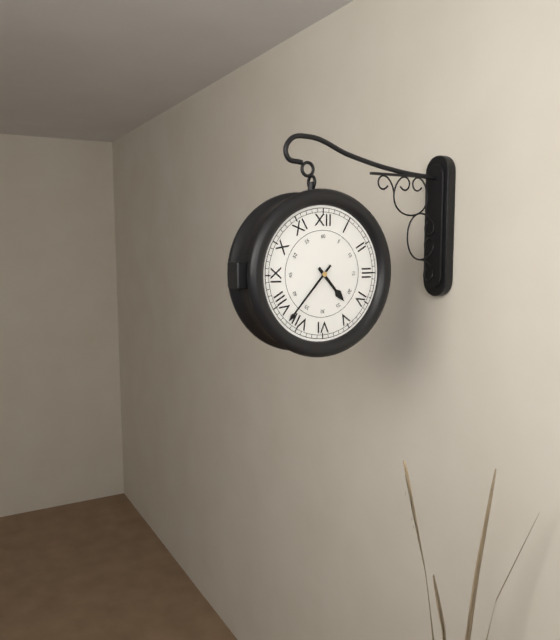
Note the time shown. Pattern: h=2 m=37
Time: h=4 m=37
